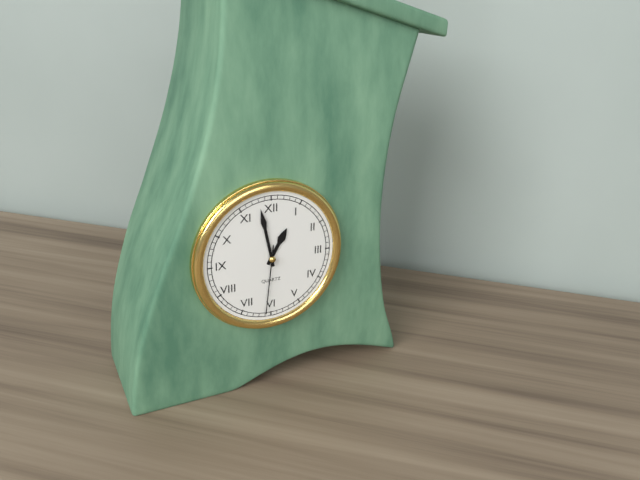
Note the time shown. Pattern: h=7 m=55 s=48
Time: h=12 m=58 s=31
